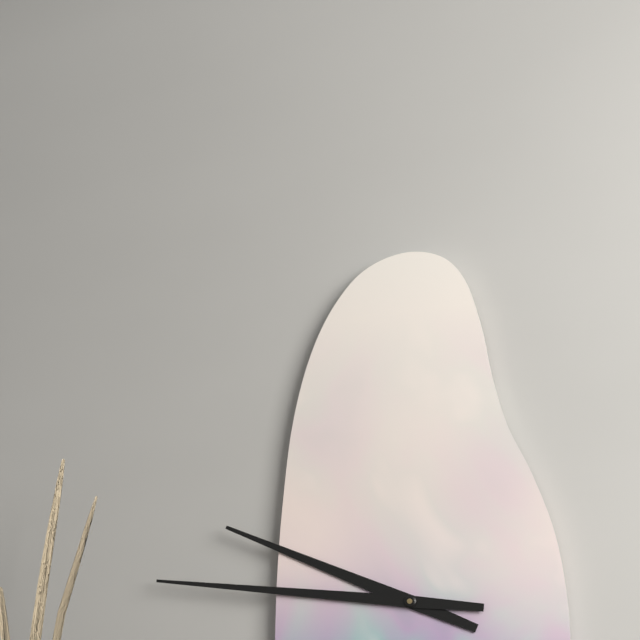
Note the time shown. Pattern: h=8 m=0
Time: h=9 m=46
